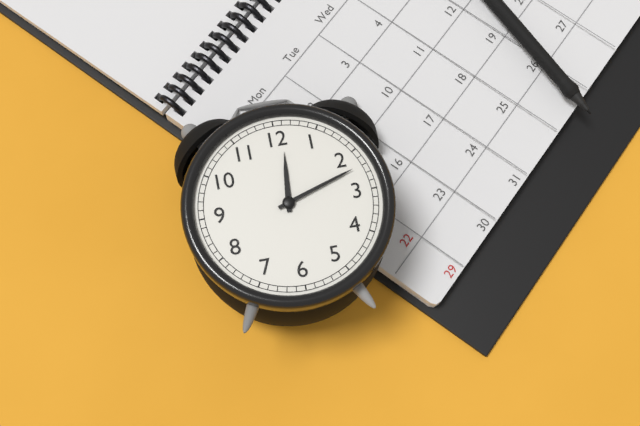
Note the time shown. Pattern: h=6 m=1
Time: h=12 m=12
